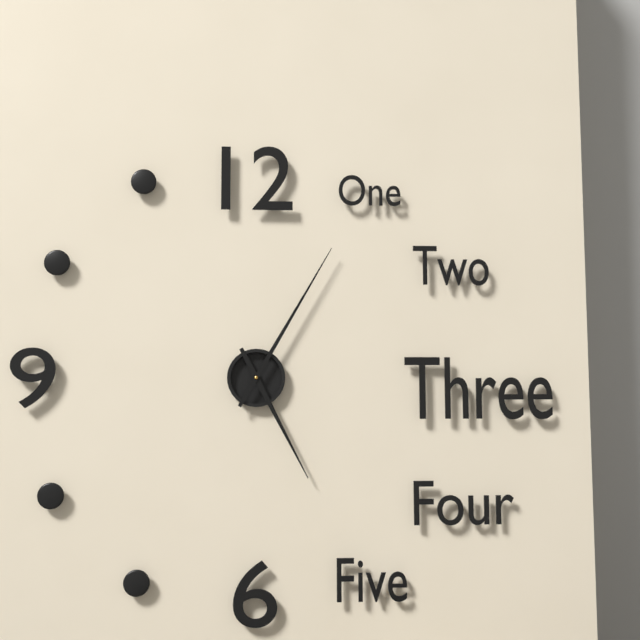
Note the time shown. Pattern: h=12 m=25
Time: h=5 m=5
